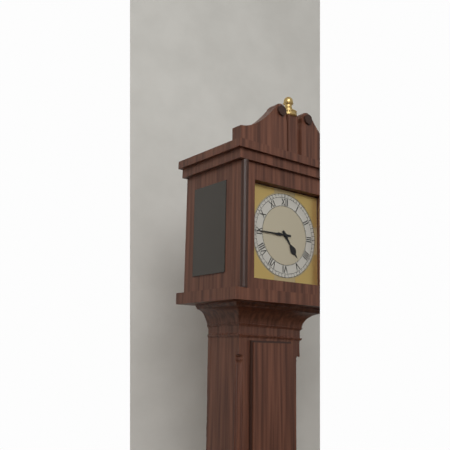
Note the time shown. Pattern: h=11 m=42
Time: h=4 m=45
